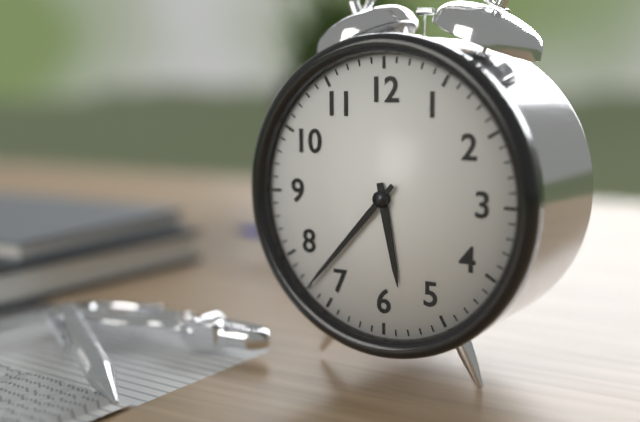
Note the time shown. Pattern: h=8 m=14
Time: h=5 m=37
